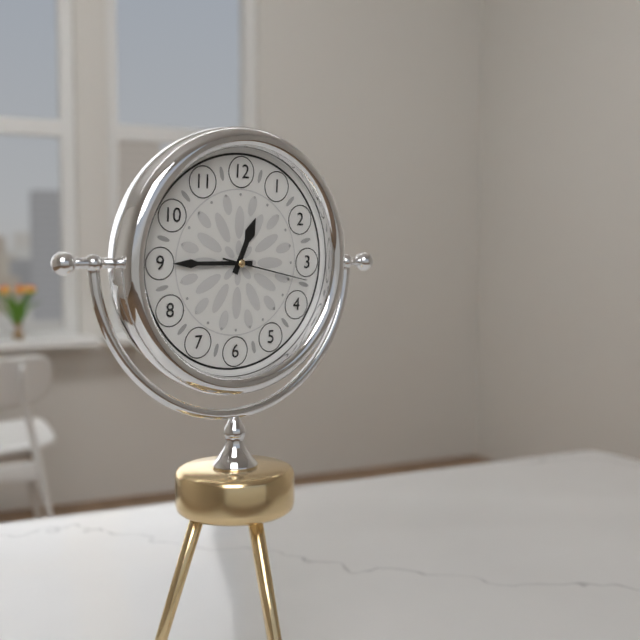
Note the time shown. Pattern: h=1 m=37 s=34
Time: h=12 m=45 s=17
